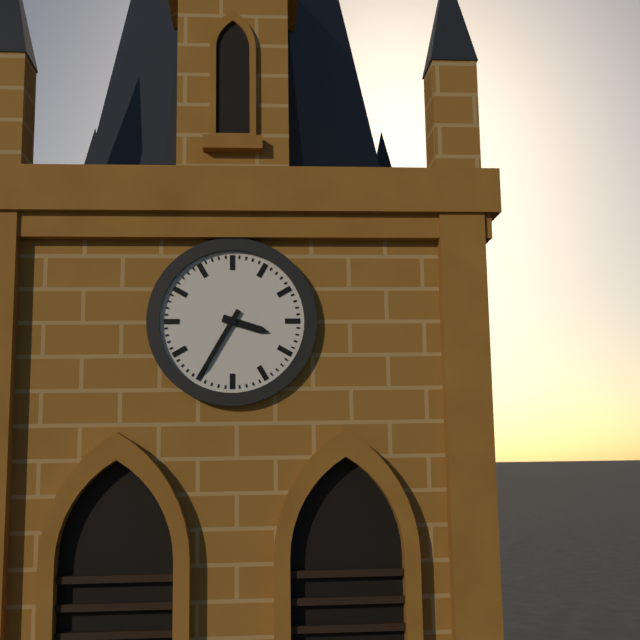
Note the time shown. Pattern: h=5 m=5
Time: h=3 m=35
